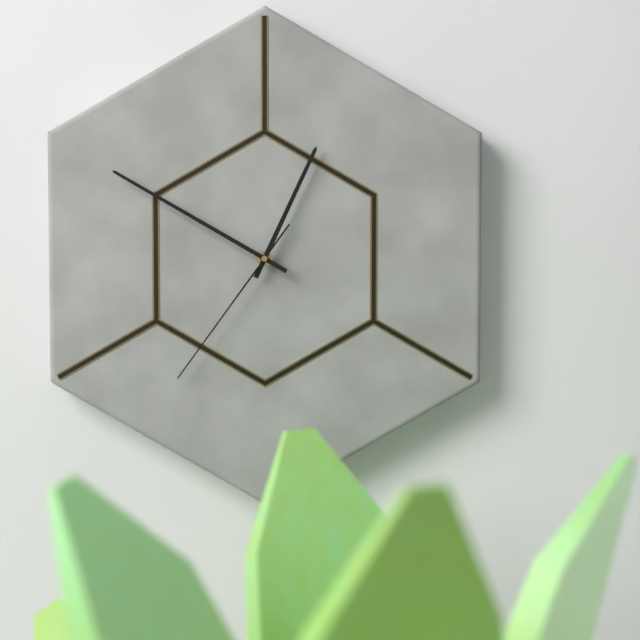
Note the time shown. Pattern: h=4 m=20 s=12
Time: h=12 m=50 s=36
